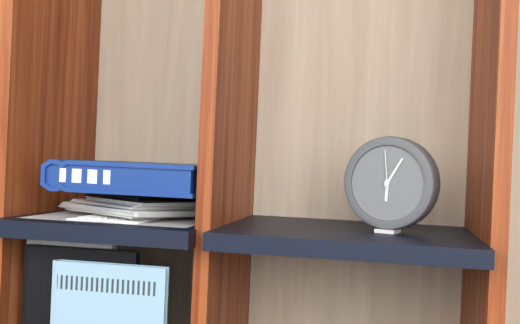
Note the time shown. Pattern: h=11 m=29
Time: h=6 m=5
